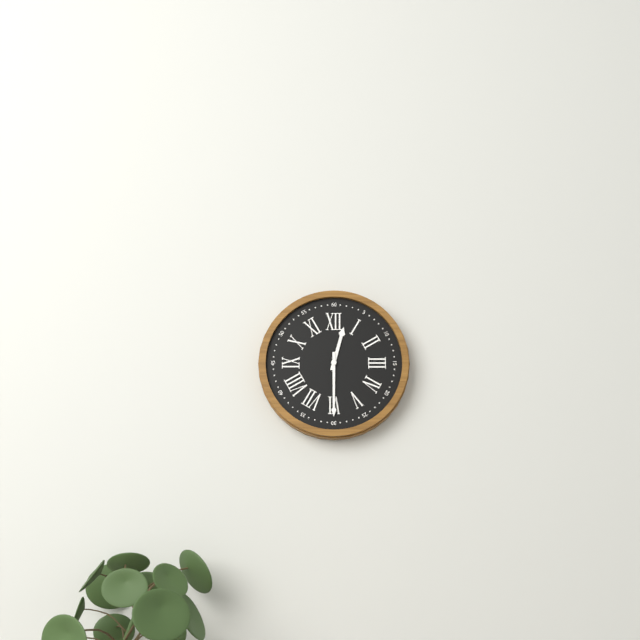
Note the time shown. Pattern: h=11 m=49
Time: h=12 m=30
